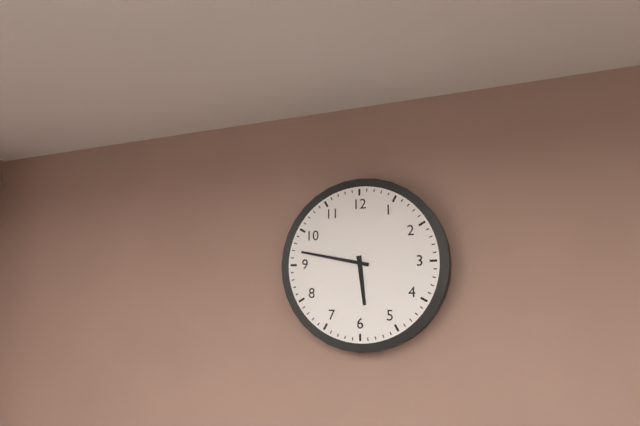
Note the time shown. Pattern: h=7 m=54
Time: h=5 m=47
